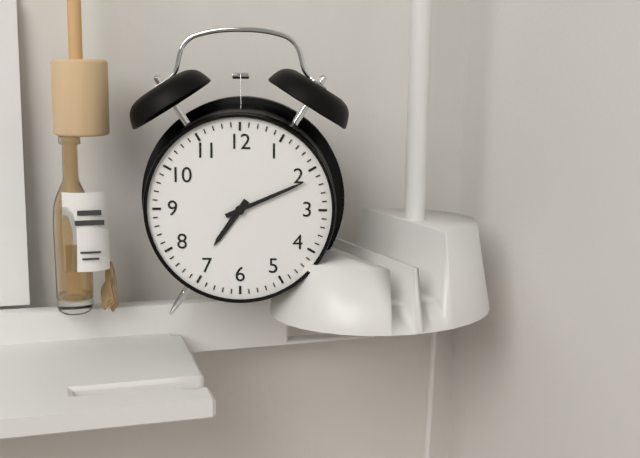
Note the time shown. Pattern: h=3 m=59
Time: h=7 m=11
